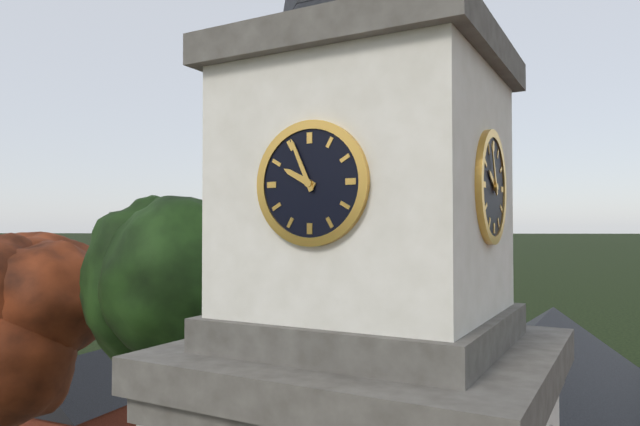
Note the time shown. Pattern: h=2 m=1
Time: h=9 m=56
